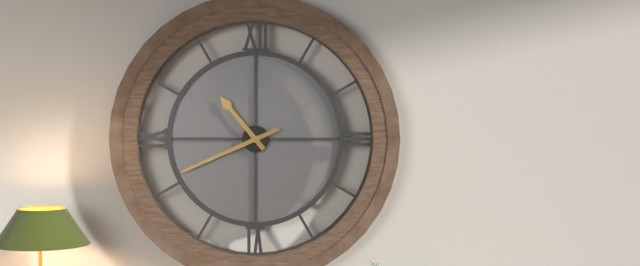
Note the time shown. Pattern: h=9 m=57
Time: h=10 m=41
